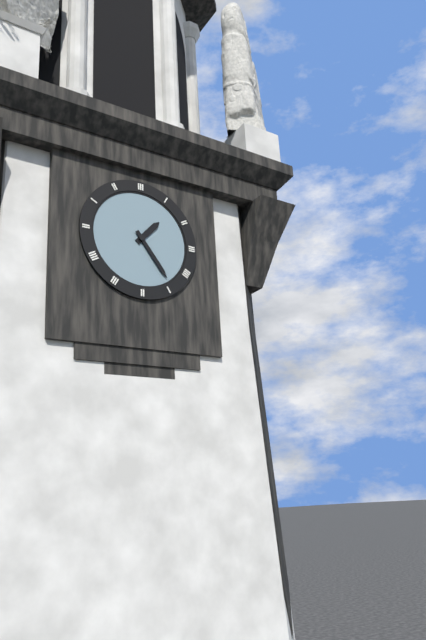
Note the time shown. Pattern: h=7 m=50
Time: h=1 m=24
